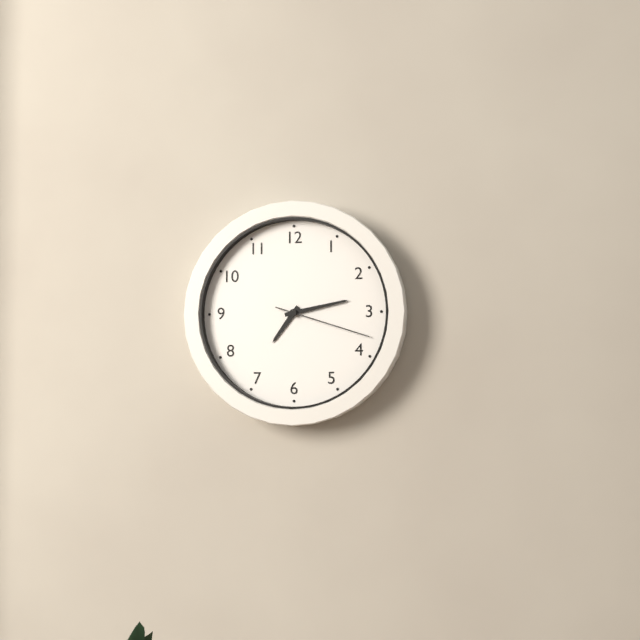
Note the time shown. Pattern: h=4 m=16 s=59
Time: h=7 m=13 s=18
